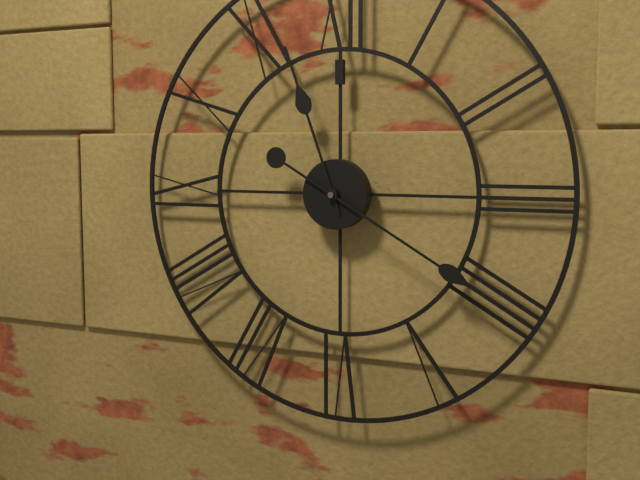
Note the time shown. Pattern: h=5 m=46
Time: h=11 m=20
